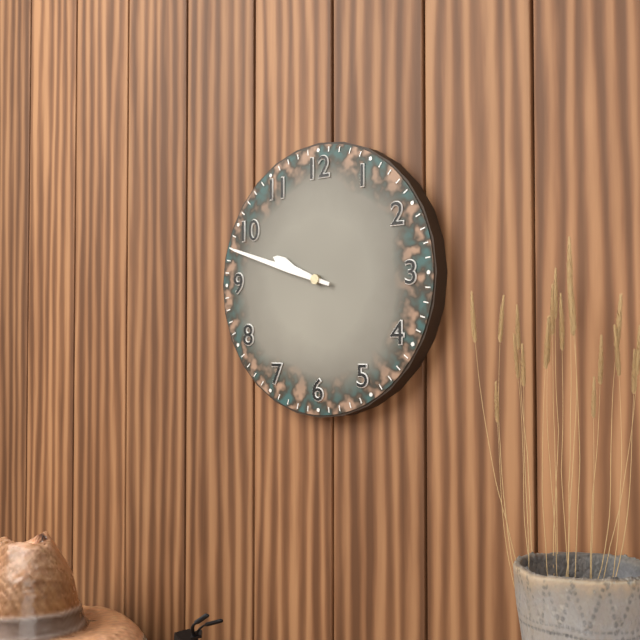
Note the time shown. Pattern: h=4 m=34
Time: h=9 m=48
